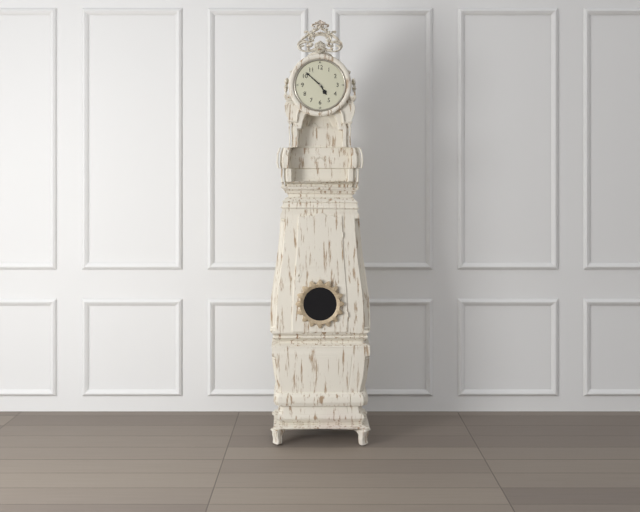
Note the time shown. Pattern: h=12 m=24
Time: h=4 m=52
